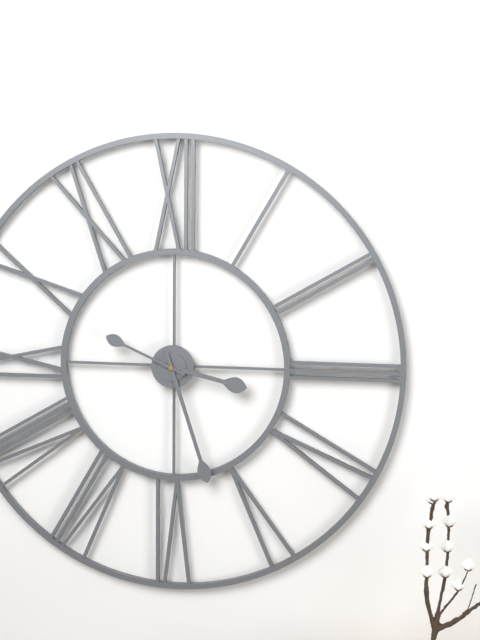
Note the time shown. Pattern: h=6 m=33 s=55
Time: h=3 m=27 s=49
